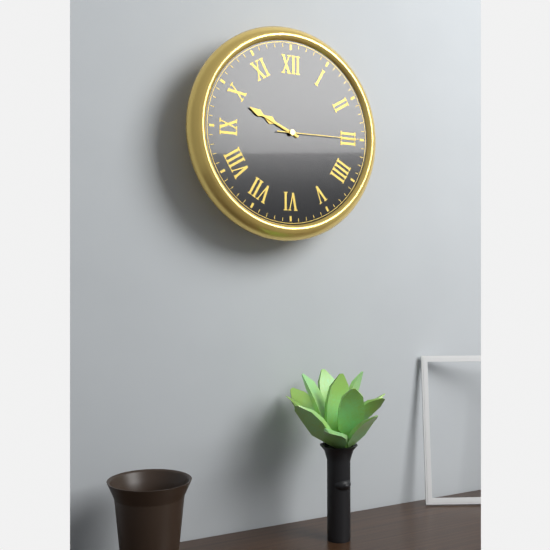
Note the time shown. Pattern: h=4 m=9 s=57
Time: h=9 m=49 s=15
